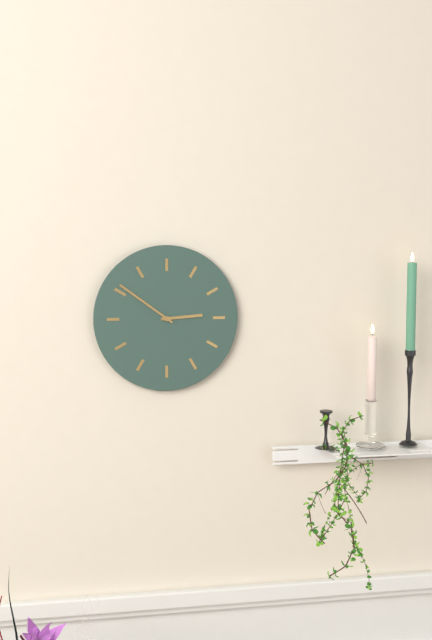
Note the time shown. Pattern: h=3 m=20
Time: h=2 m=51
